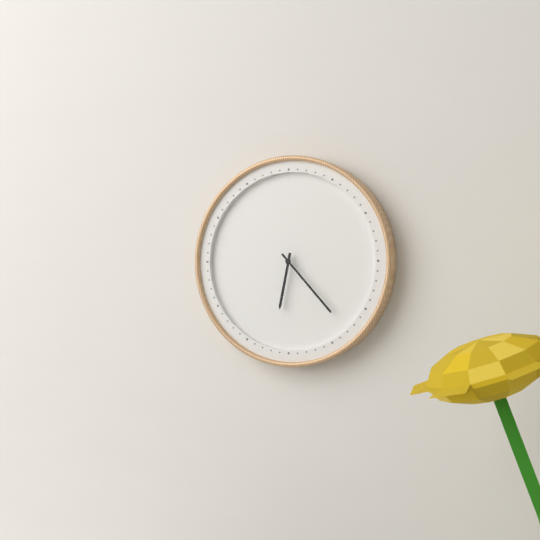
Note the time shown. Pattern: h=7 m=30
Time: h=6 m=23
